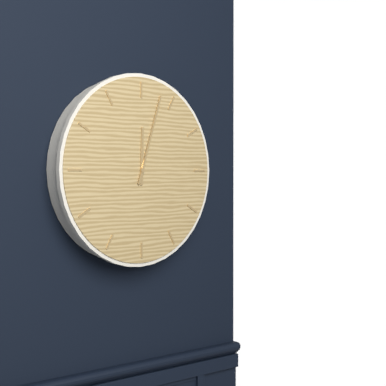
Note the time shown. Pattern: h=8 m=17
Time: h=12 m=3
